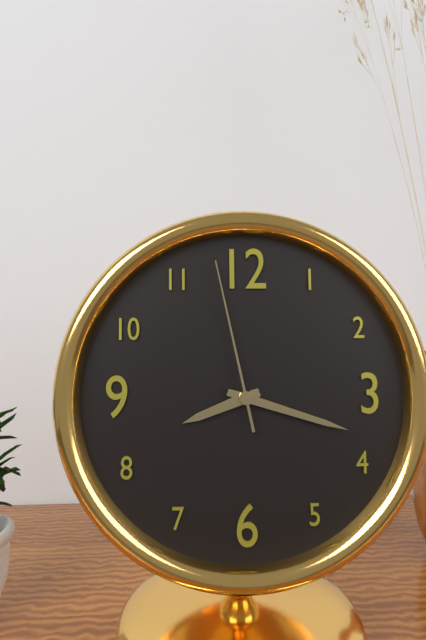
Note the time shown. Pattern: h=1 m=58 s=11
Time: h=8 m=18 s=58
